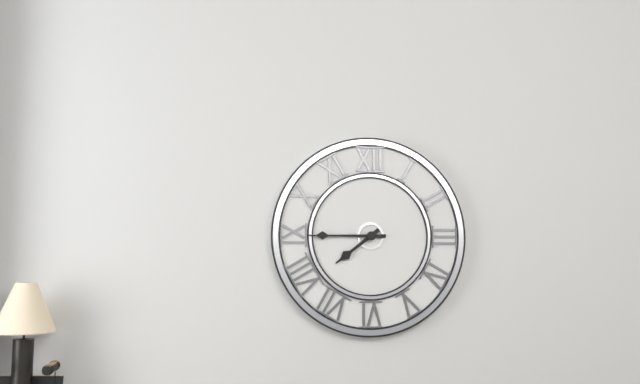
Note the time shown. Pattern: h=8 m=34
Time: h=7 m=45
